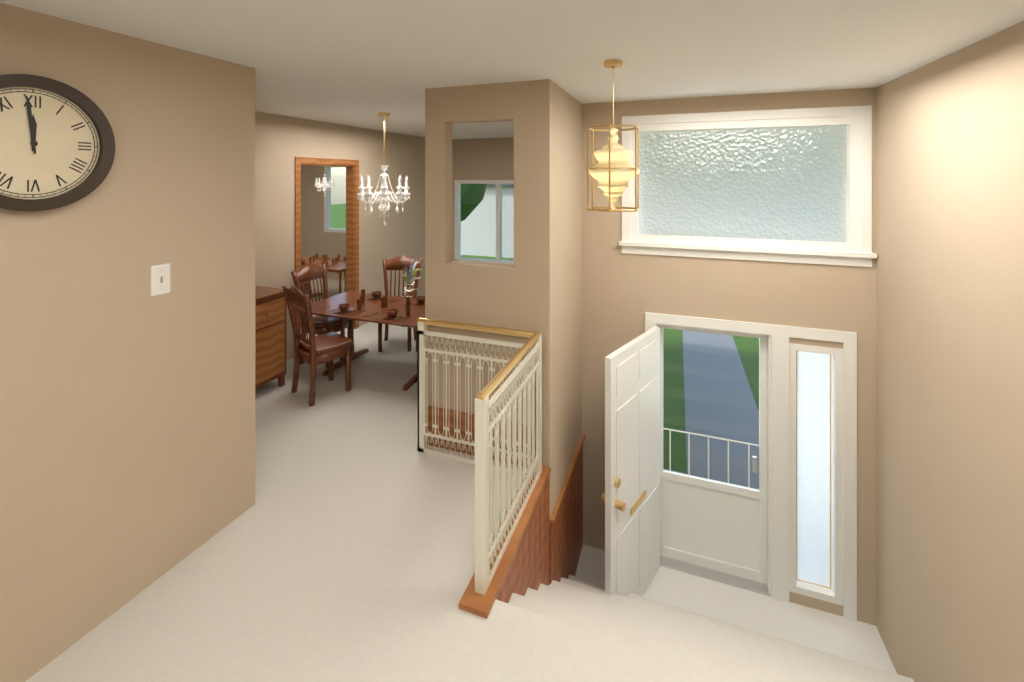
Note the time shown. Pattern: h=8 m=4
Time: h=11 m=59
